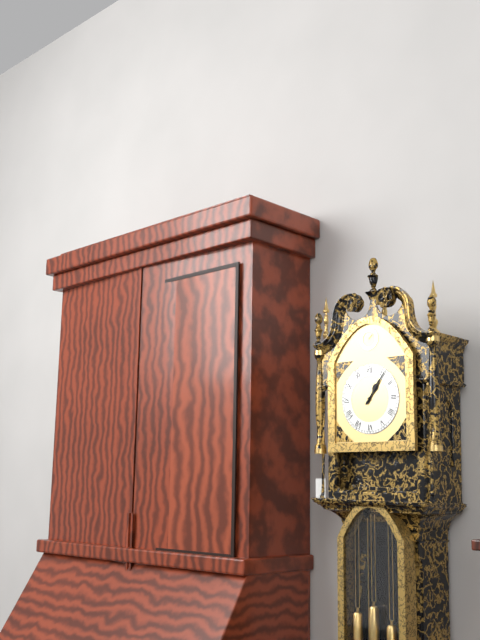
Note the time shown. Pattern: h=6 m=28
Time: h=1 m=6
